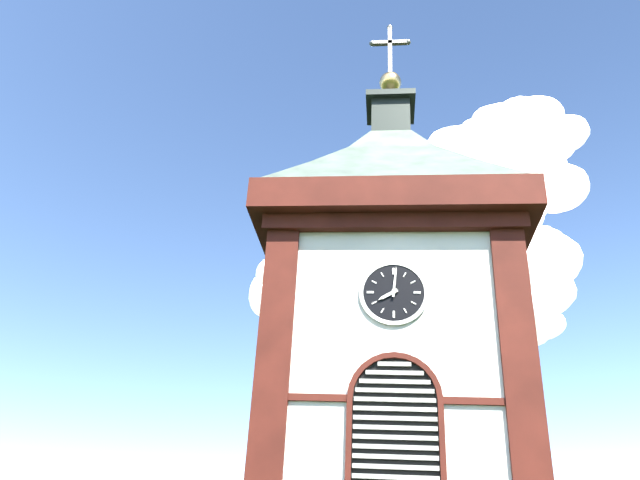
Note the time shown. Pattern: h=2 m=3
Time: h=8 m=1
